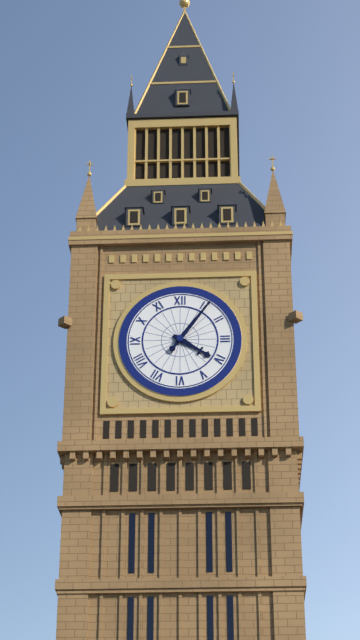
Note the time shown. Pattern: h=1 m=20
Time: h=4 m=6
